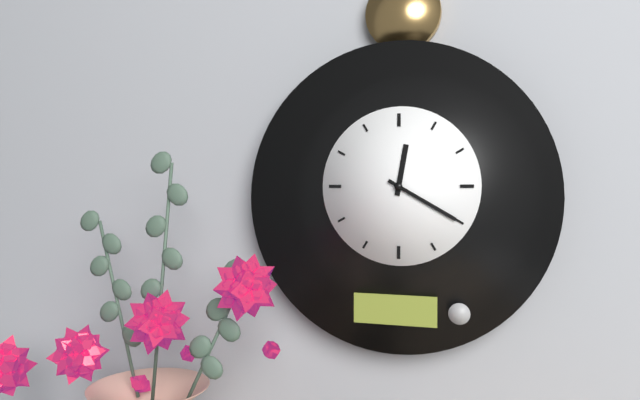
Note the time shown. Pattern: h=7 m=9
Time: h=12 m=20
